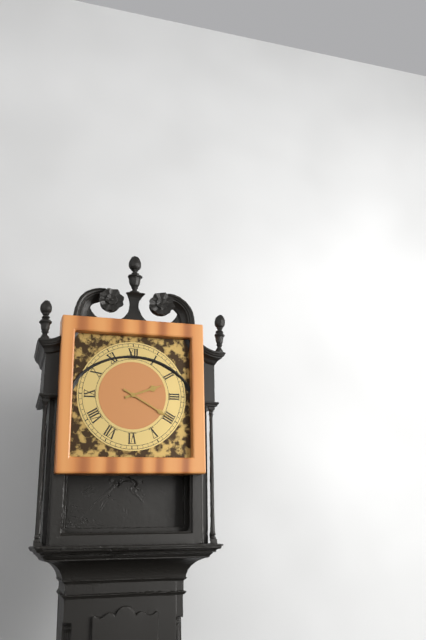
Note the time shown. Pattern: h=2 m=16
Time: h=2 m=20
